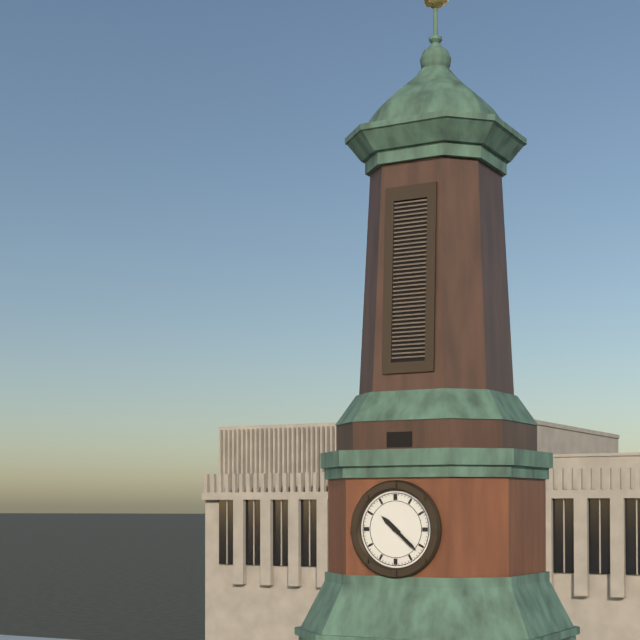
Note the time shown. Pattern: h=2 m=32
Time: h=10 m=22
